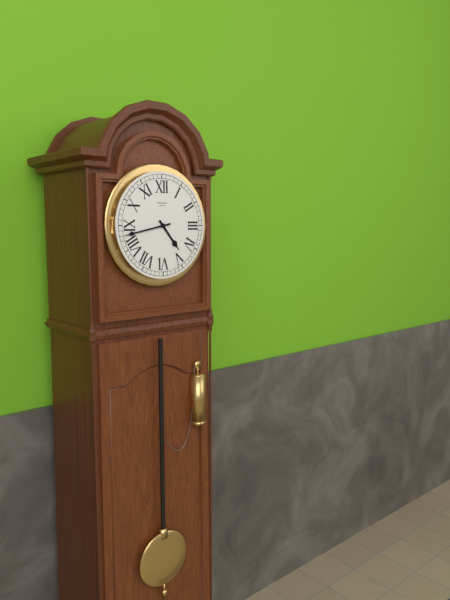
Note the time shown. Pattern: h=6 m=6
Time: h=4 m=43
